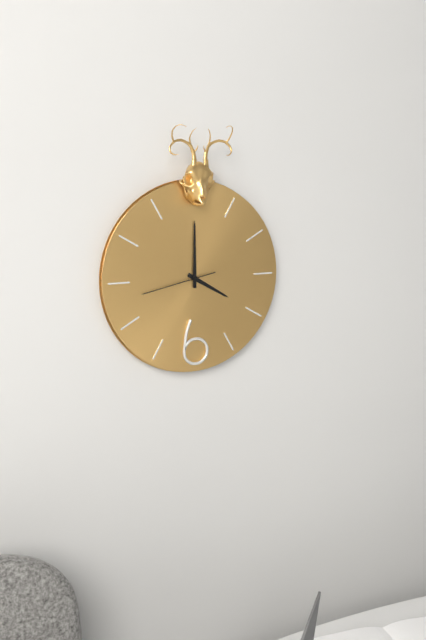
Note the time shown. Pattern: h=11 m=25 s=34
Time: h=4 m=0 s=43
